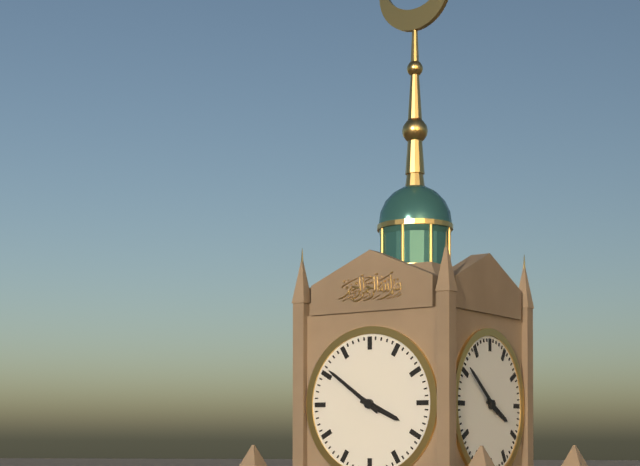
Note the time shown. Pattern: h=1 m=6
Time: h=3 m=51
